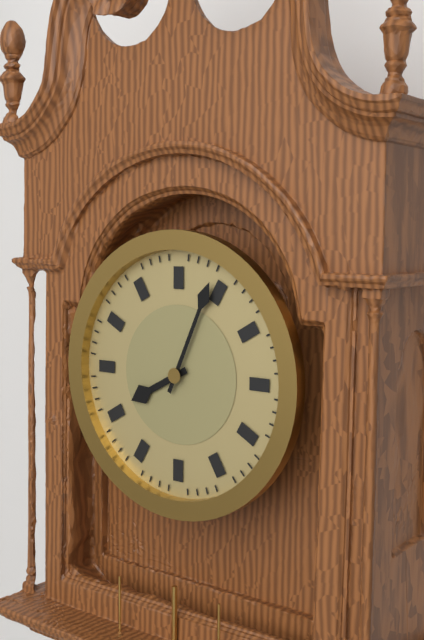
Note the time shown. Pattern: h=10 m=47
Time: h=8 m=4
